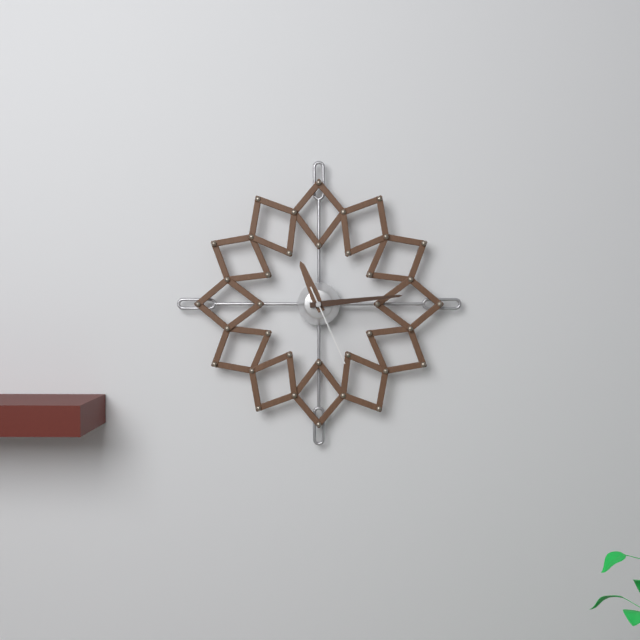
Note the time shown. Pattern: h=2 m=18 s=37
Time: h=11 m=14 s=26
